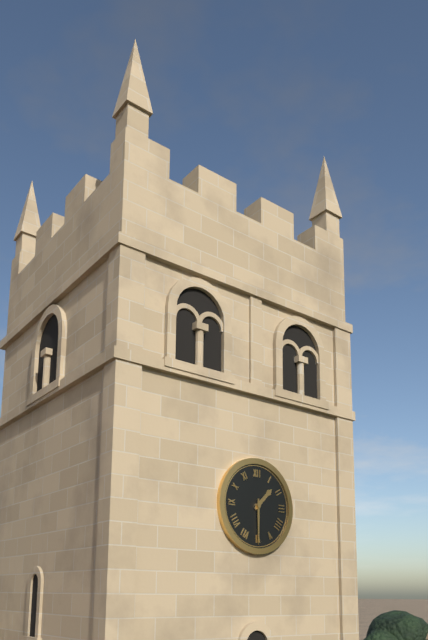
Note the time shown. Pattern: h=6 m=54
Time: h=1 m=30
